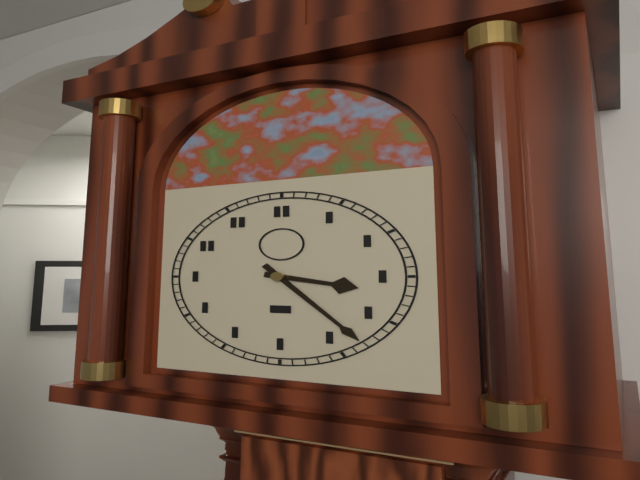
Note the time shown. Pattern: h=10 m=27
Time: h=3 m=23
